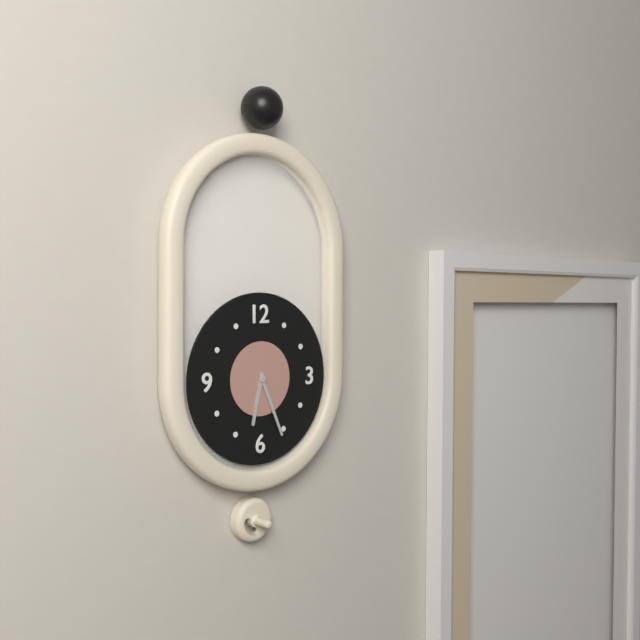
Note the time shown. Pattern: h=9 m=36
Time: h=6 m=26
